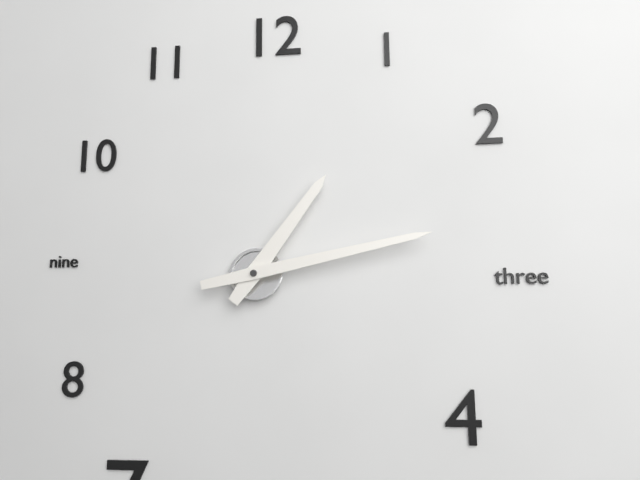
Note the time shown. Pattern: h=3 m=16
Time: h=1 m=13
